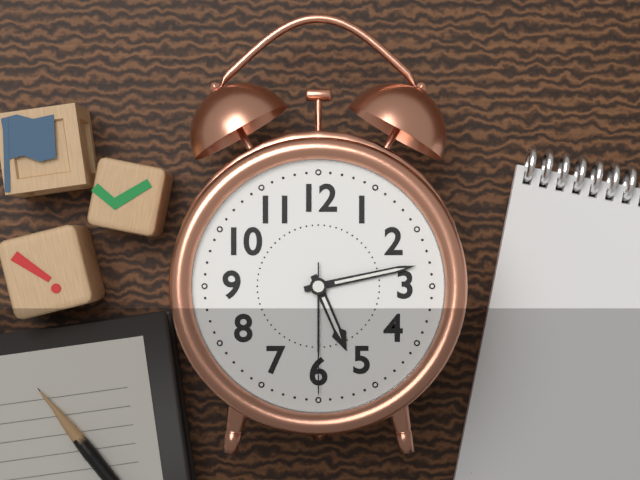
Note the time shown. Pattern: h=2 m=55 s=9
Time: h=5 m=13 s=30
